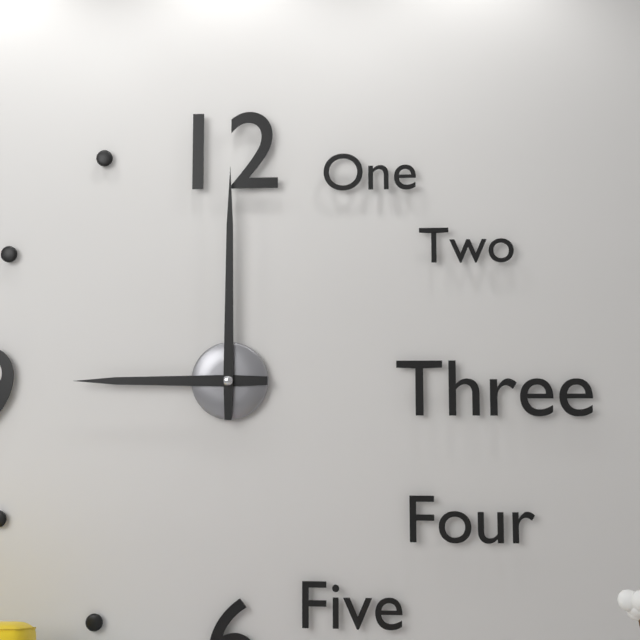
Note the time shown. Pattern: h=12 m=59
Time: h=9 m=0
